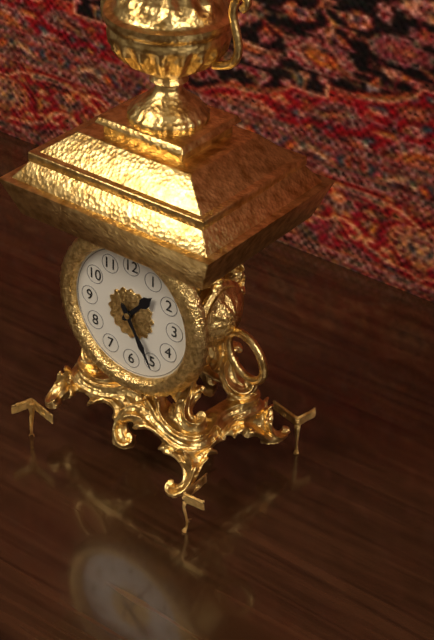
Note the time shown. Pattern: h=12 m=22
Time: h=1 m=25
